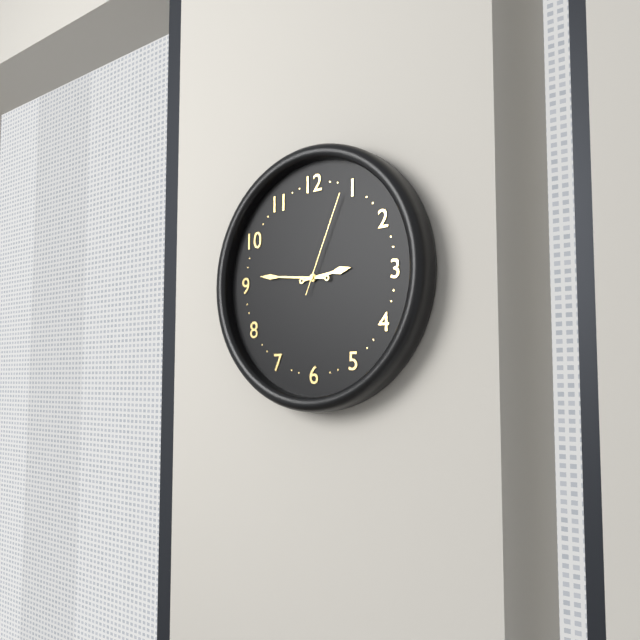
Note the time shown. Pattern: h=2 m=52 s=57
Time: h=2 m=46 s=4
